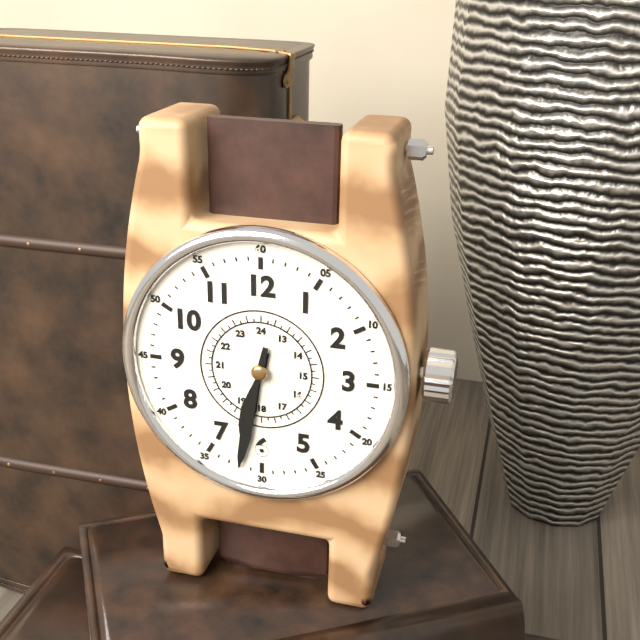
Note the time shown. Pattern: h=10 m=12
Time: h=6 m=32
